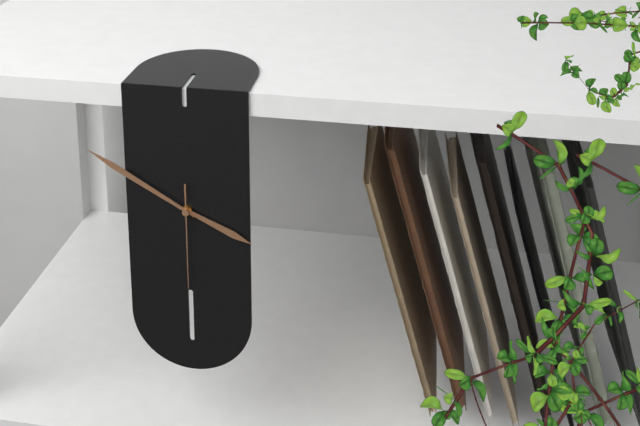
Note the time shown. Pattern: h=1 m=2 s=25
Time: h=3 m=50 s=30
